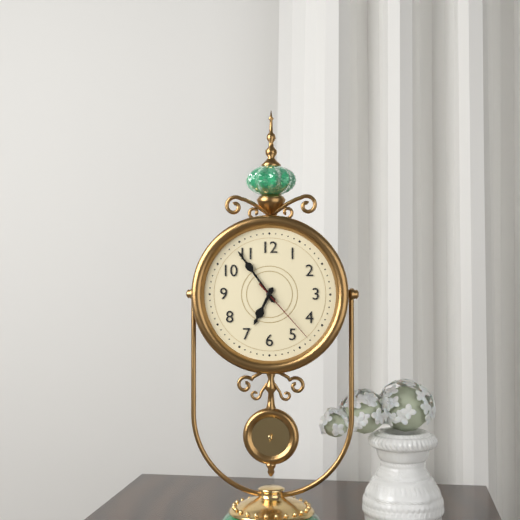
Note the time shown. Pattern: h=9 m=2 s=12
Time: h=6 m=54 s=23
